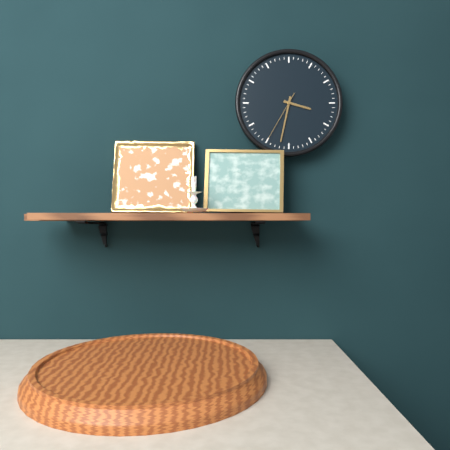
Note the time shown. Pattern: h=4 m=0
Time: h=3 m=32
